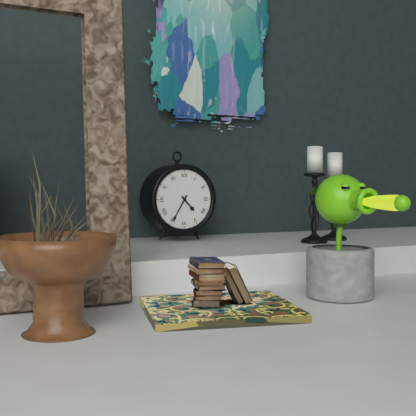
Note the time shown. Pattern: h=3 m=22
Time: h=4 m=35
